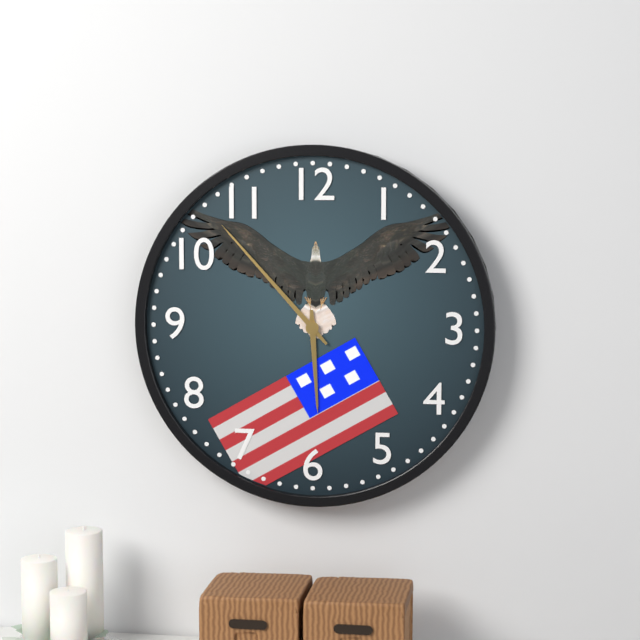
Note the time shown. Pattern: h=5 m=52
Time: h=5 m=53
